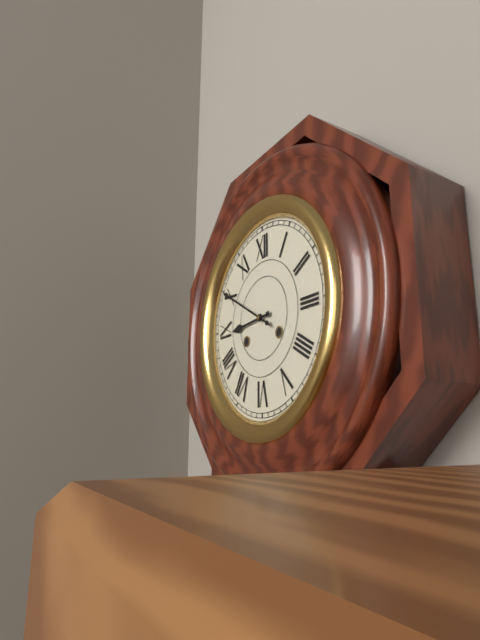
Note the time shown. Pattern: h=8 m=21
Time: h=8 m=50
